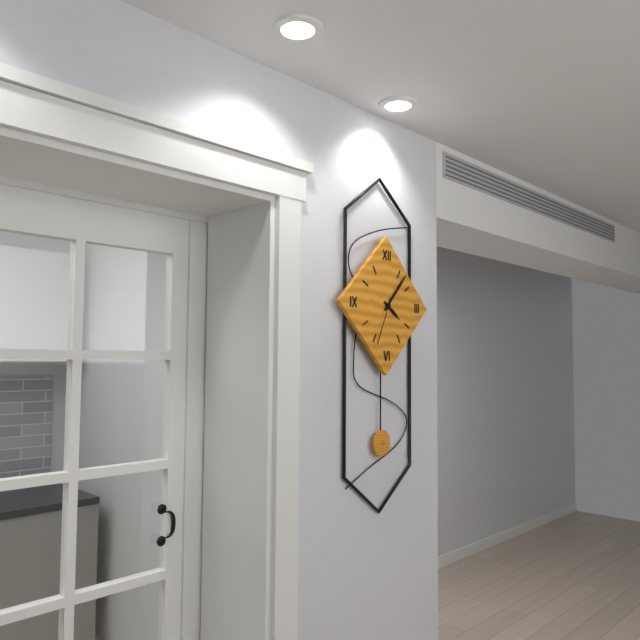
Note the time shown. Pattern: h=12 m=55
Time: h=4 m=7
